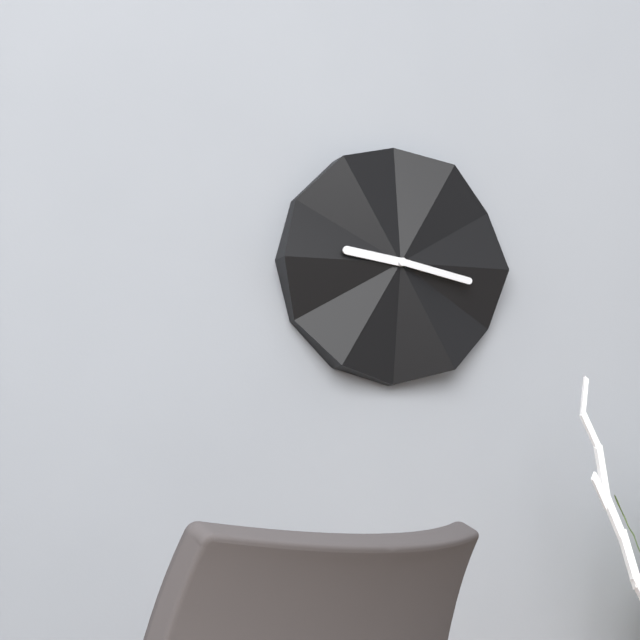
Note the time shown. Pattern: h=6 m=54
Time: h=9 m=17
